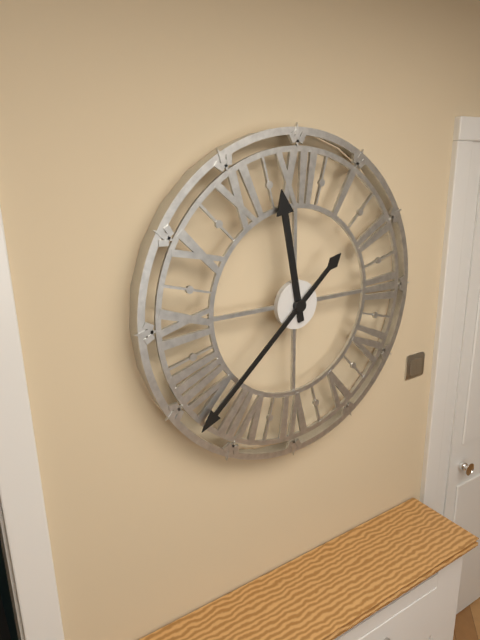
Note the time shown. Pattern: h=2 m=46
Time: h=11 m=38
